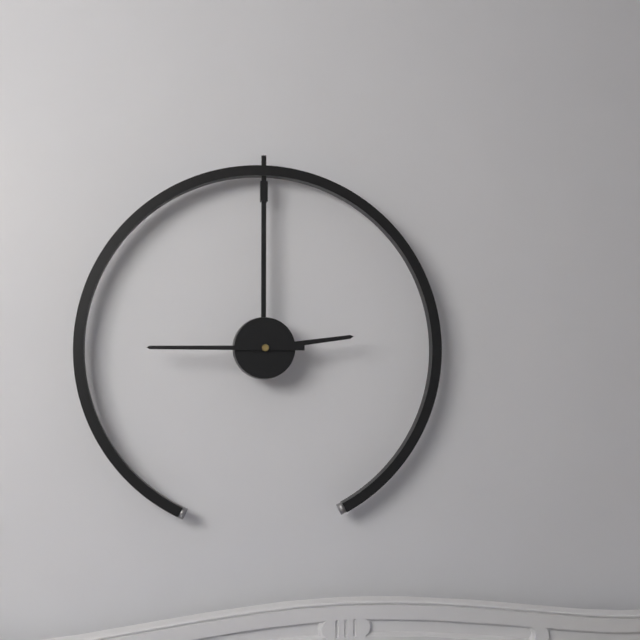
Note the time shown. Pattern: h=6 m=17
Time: h=2 m=45
